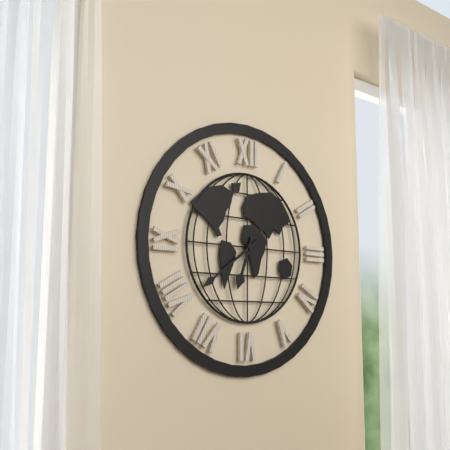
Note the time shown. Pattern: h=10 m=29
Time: h=6 m=39
